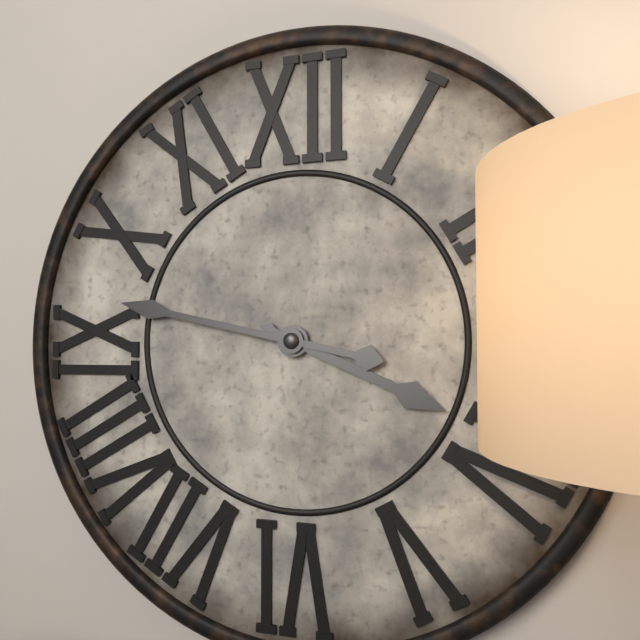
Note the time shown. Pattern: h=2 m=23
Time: h=3 m=47
